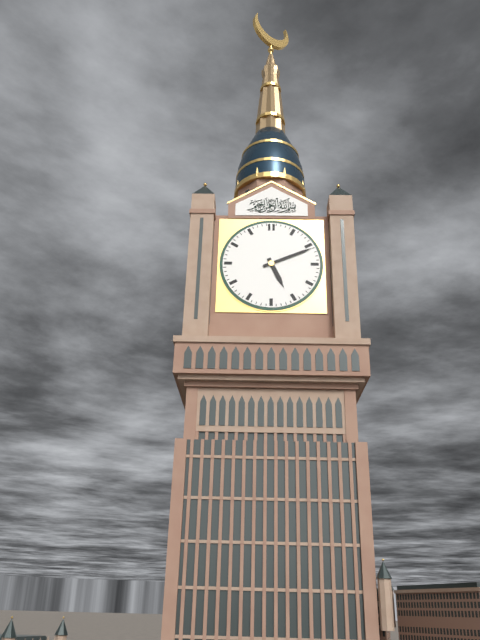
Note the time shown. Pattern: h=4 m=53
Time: h=5 m=11
